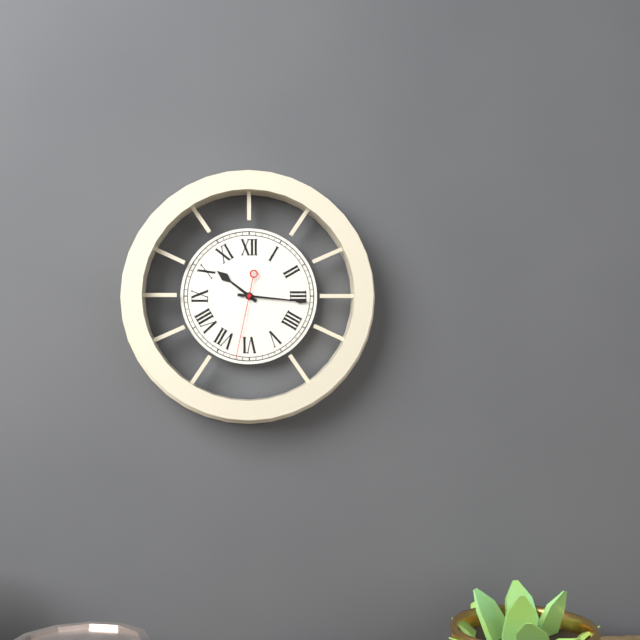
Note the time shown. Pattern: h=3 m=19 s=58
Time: h=10 m=16 s=32
